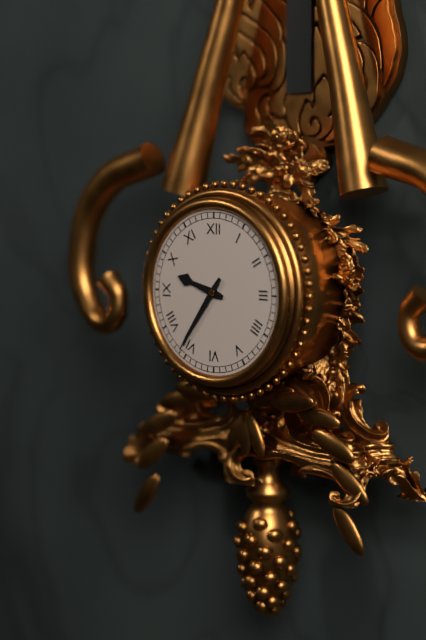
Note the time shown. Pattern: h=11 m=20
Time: h=9 m=36
